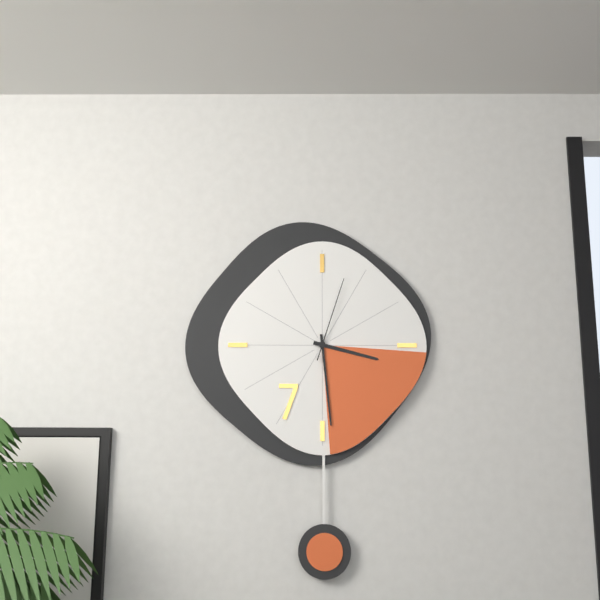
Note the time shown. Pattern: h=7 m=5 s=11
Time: h=3 m=29 s=3
